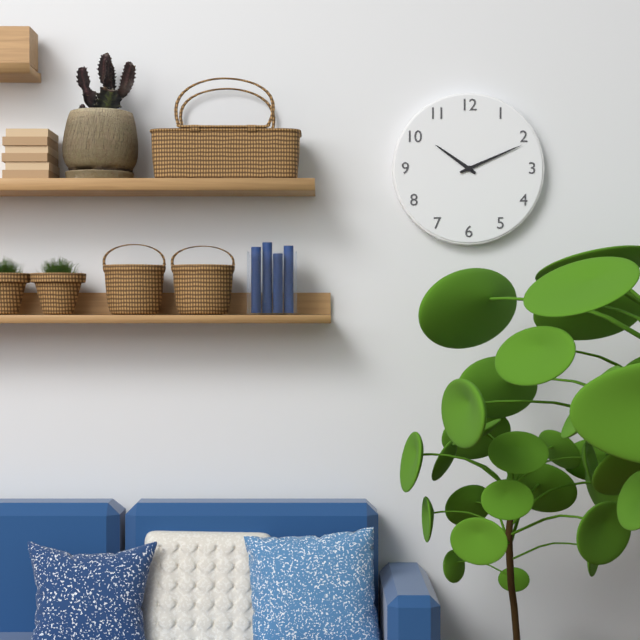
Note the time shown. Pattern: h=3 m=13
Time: h=10 m=11
